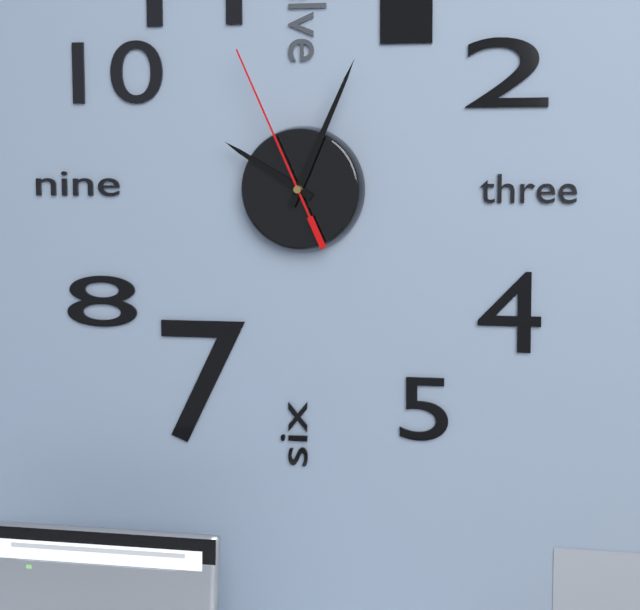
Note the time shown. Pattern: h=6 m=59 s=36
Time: h=10 m=4 s=56
